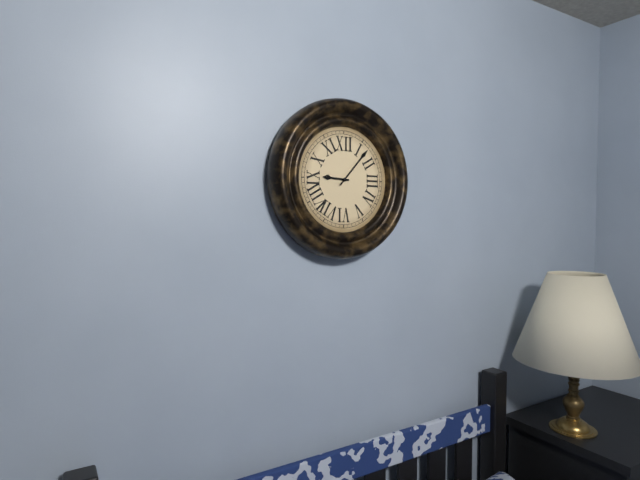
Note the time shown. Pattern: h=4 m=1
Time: h=9 m=7
